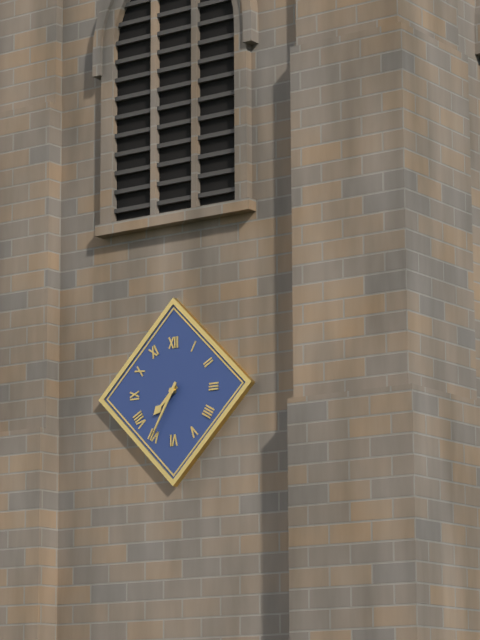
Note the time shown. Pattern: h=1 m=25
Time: h=7 m=35
